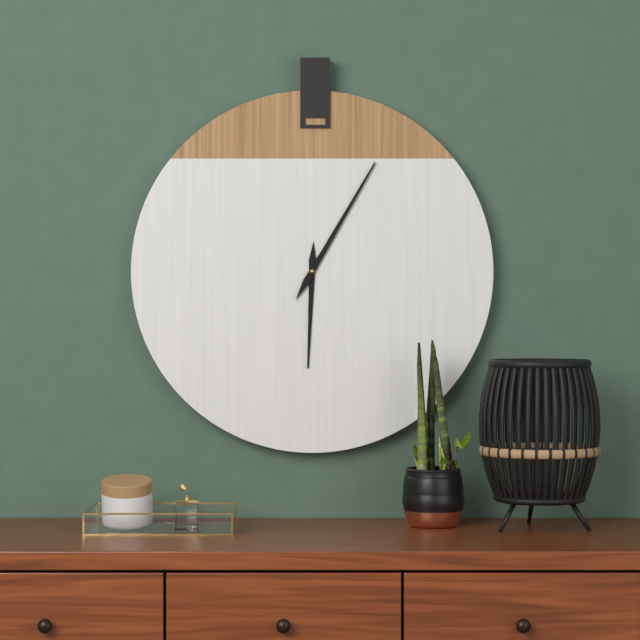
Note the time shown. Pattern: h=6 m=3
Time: h=6 m=5
